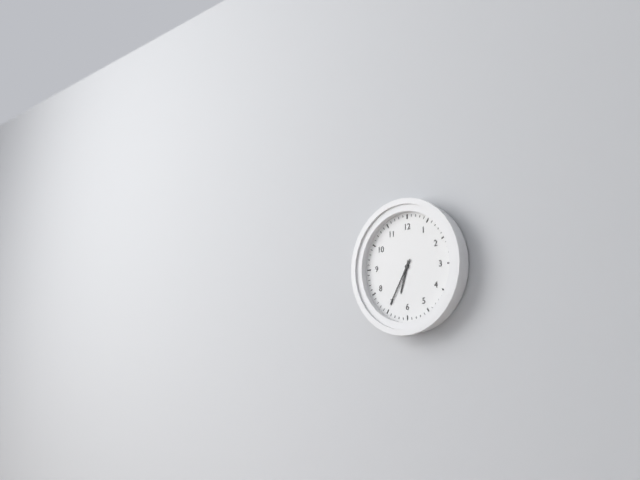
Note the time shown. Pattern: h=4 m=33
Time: h=6 m=35
